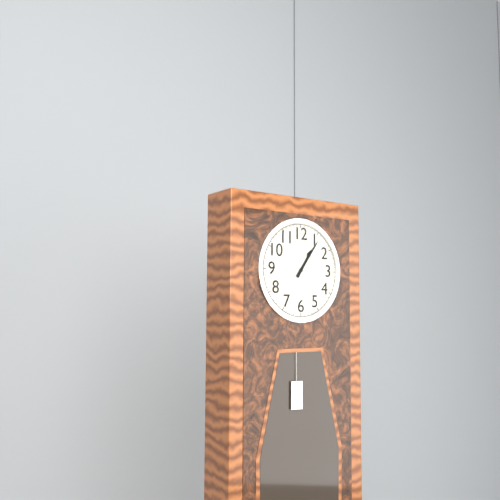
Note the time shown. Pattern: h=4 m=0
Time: h=1 m=6
